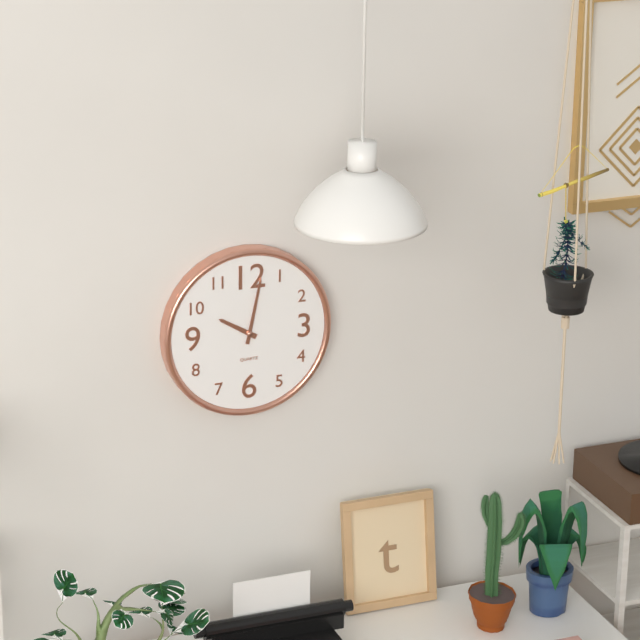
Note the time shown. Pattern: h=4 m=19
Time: h=10 m=2
